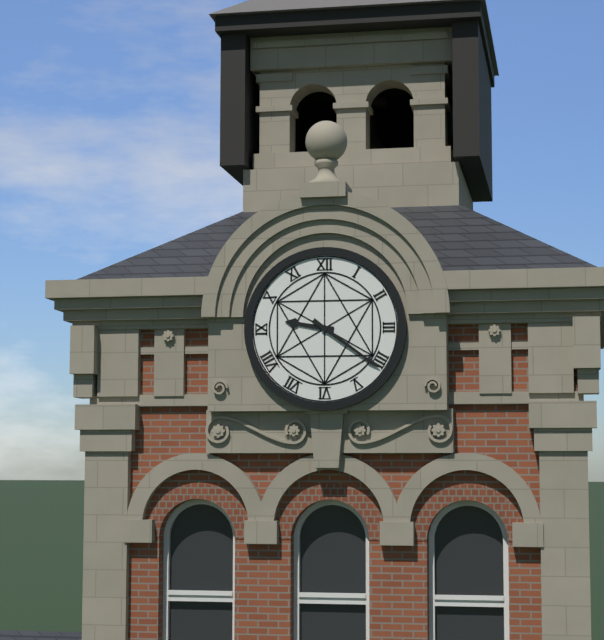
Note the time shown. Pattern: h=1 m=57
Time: h=9 m=21
